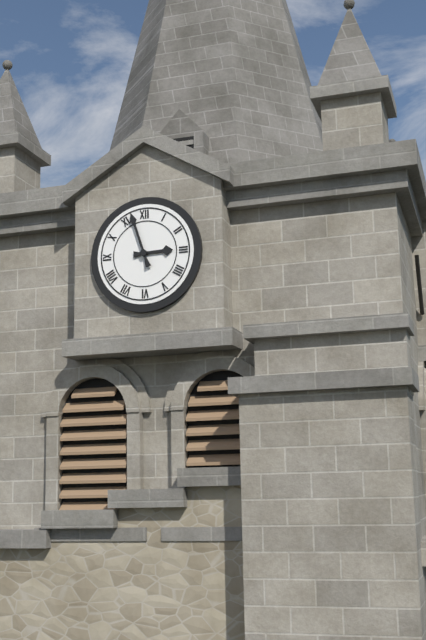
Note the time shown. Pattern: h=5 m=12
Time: h=2 m=57
